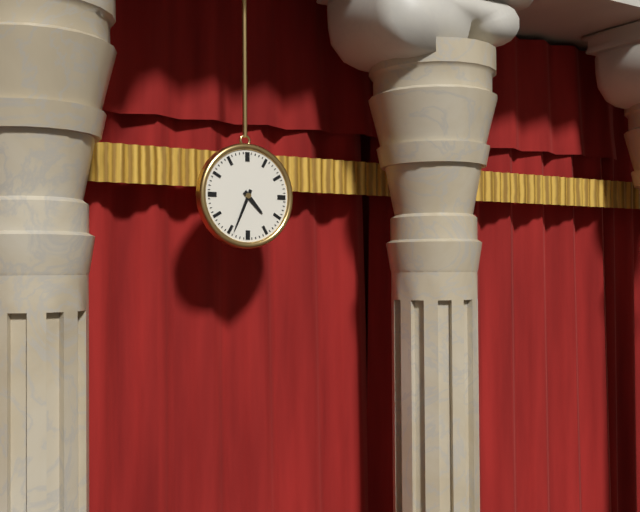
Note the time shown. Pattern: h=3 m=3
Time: h=4 m=34
